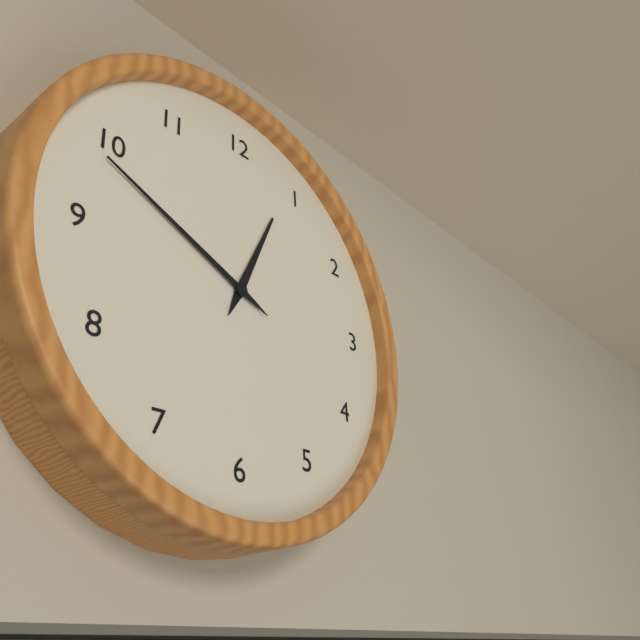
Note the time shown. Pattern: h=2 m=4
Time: h=12 m=49
